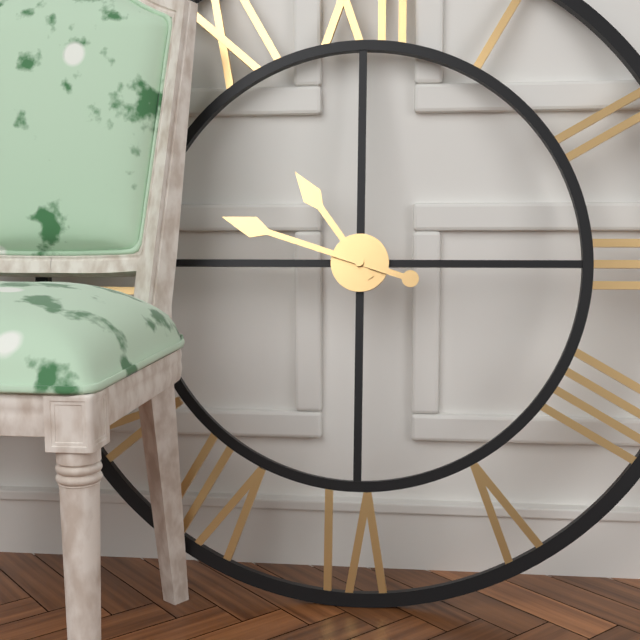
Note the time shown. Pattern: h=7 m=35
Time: h=10 m=48
